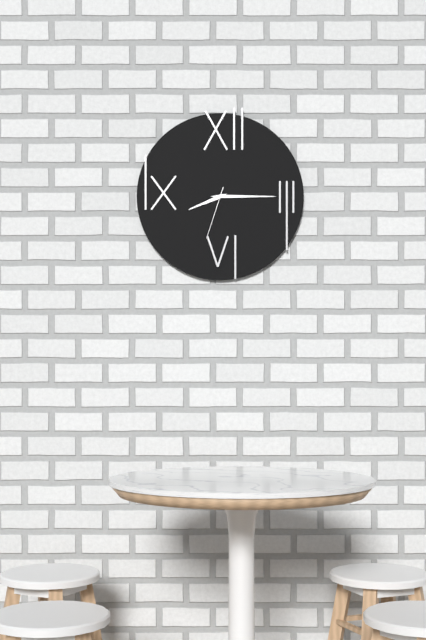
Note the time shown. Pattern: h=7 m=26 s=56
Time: h=8 m=15 s=33
